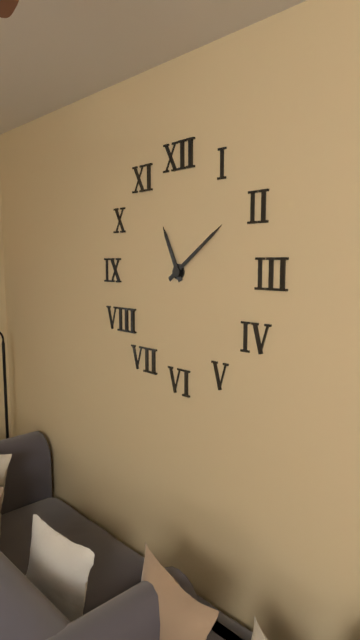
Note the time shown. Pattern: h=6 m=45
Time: h=11 m=9
